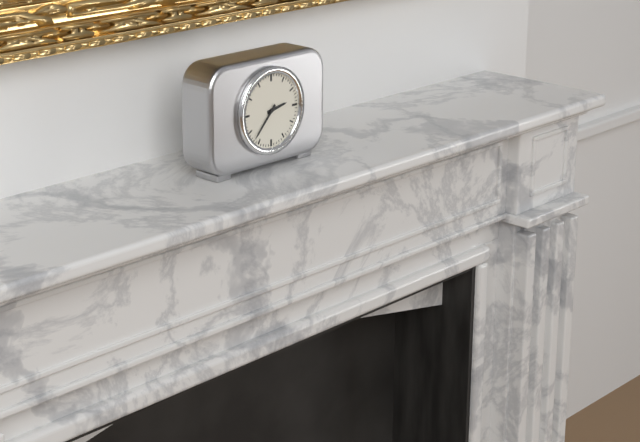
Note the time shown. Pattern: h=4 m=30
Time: h=2 m=37
